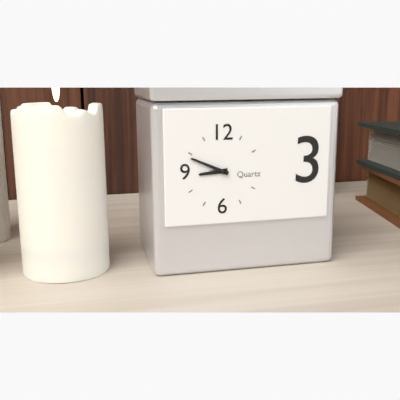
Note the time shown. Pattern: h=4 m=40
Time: h=8 m=49
